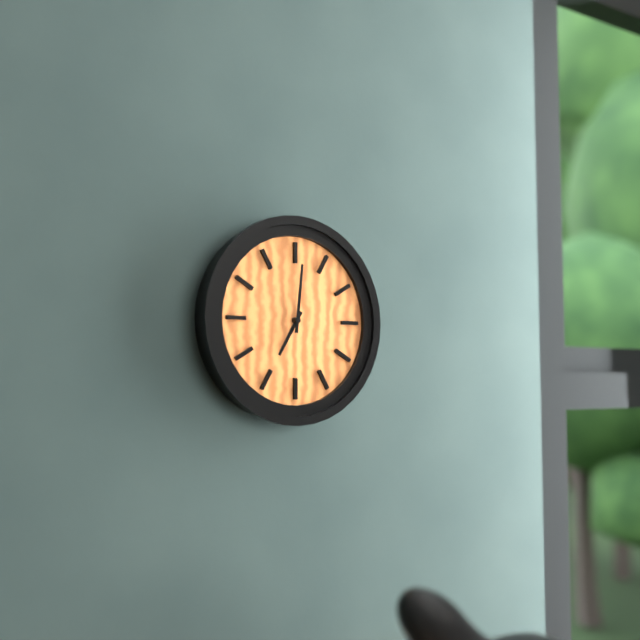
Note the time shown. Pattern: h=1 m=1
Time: h=7 m=1
